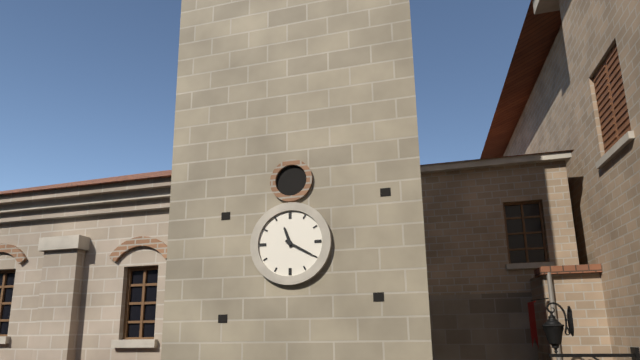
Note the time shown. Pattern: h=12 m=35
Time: h=11 m=20
